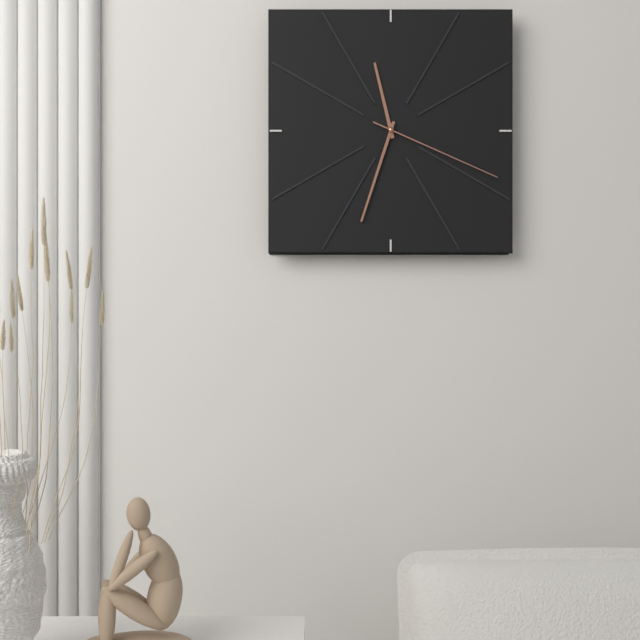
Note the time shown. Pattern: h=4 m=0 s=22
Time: h=11 m=33 s=19
